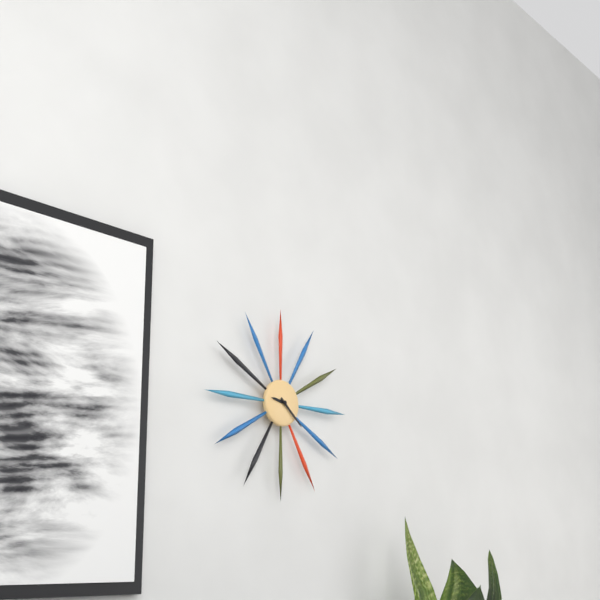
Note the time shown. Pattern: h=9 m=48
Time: h=9 m=22
